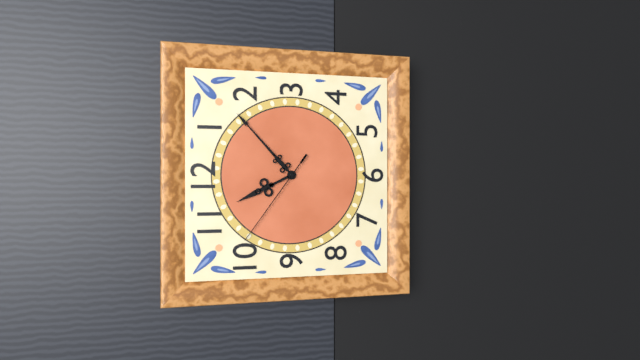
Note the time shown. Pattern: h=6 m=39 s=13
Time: h=11 m=8 s=51
